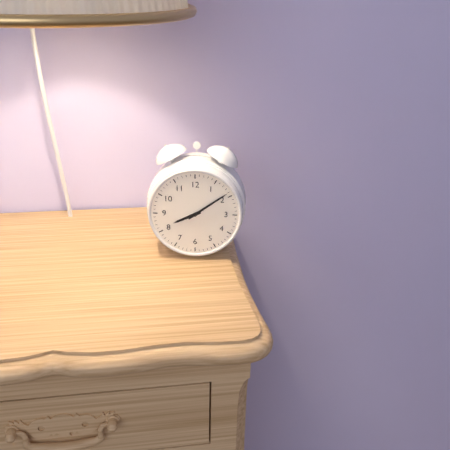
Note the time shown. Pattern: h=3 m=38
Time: h=8 m=9
